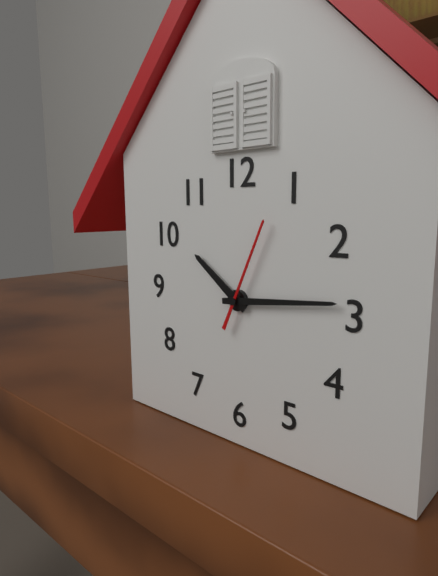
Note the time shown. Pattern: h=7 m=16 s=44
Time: h=10 m=14 s=4
